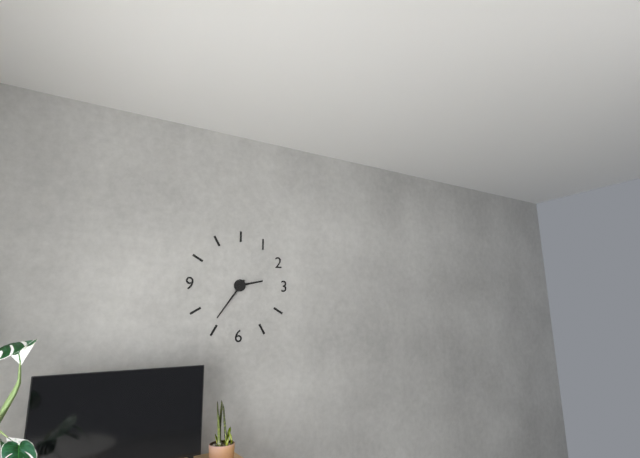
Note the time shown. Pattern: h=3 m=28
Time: h=2 m=36
